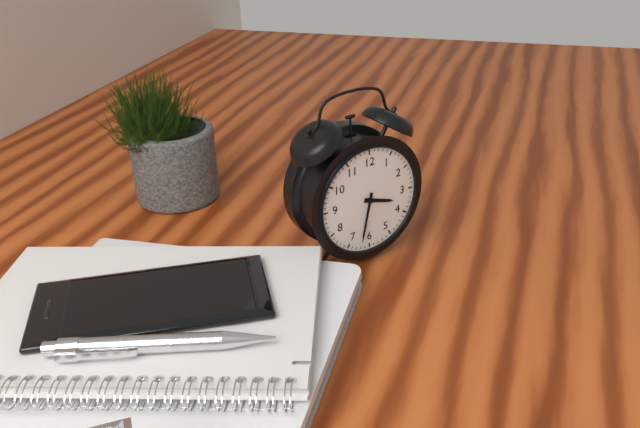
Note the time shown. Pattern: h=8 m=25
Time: h=3 m=32
